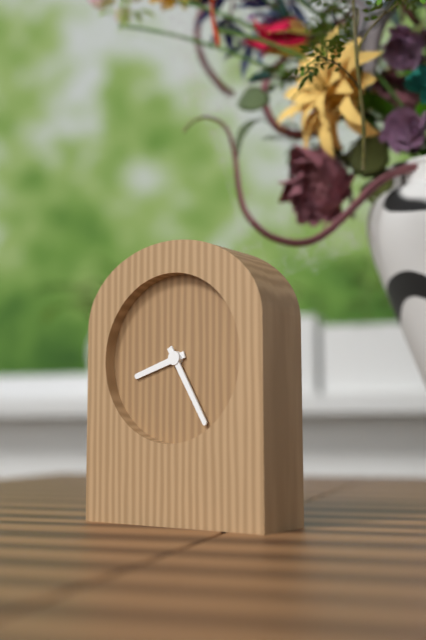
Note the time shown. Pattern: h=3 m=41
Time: h=8 m=25
